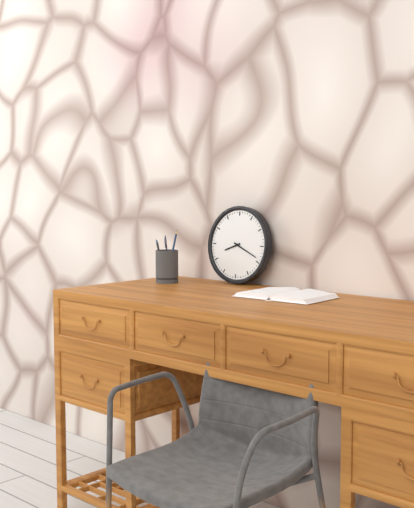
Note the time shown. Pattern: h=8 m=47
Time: h=8 m=19
